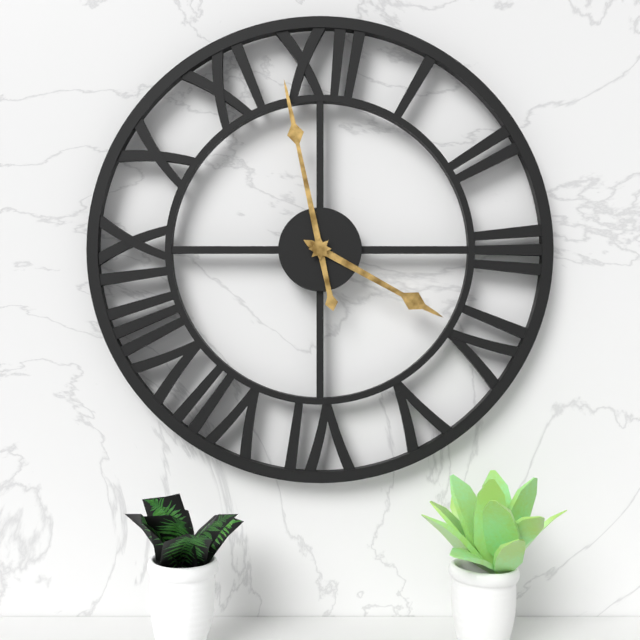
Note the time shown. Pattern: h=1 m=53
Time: h=3 m=58
